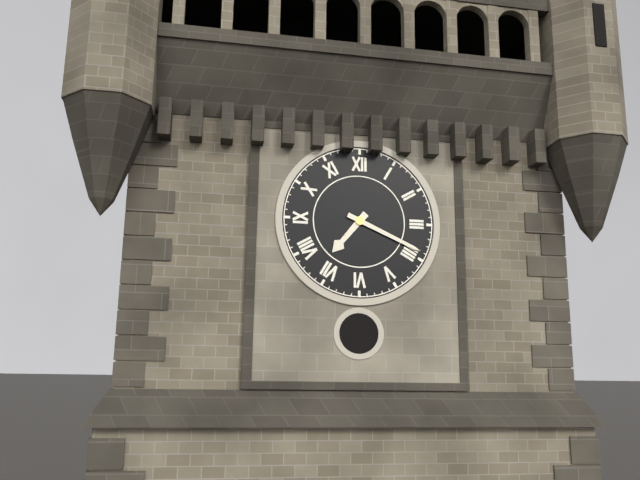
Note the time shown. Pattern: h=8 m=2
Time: h=7 m=19
